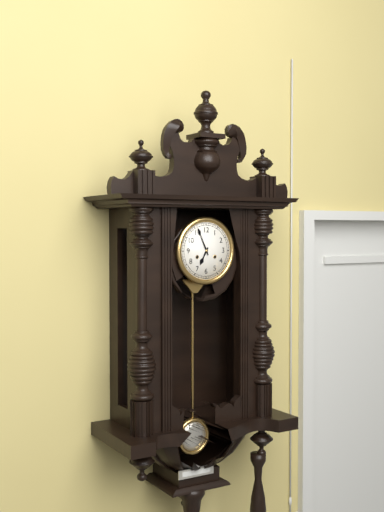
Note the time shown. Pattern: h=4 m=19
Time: h=6 m=56
